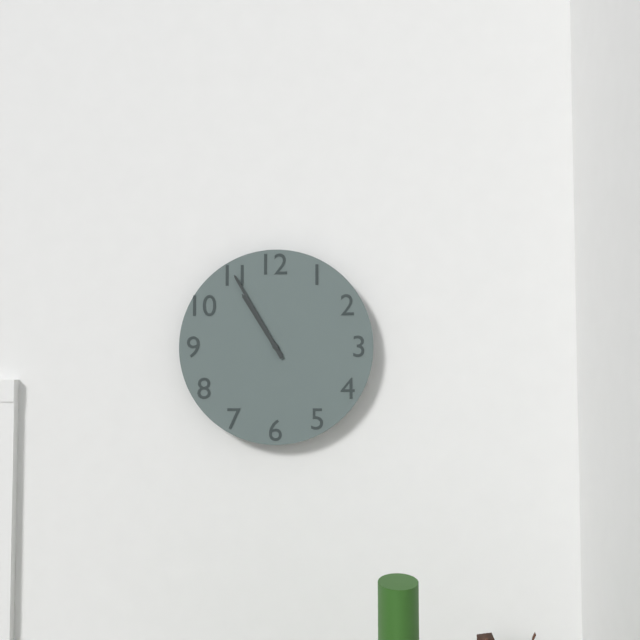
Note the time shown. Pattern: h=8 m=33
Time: h=10 m=55
